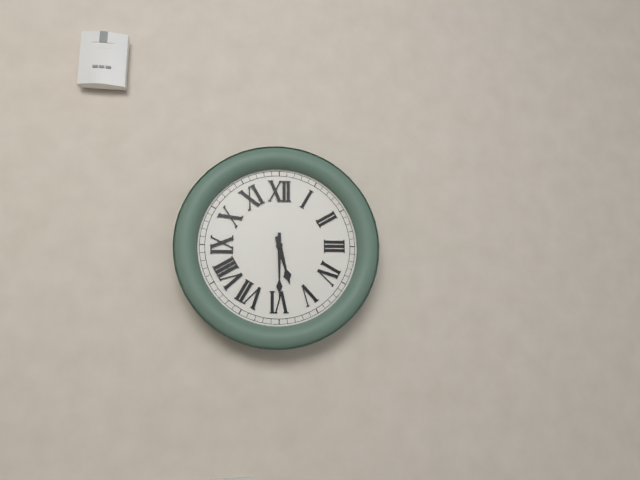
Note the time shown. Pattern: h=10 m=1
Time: h=5 m=30
